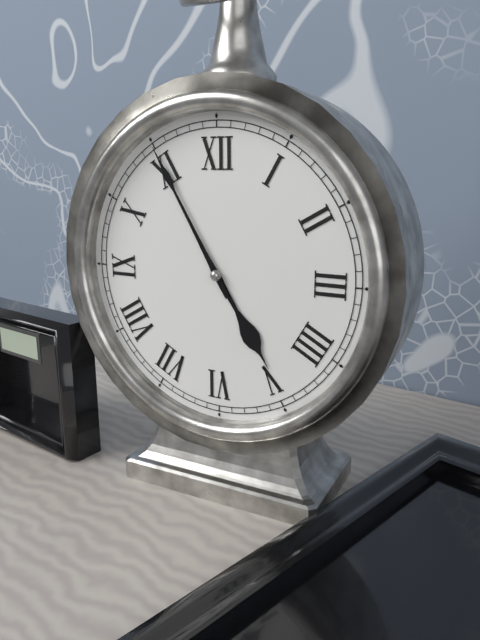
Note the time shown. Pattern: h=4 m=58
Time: h=4 m=55
